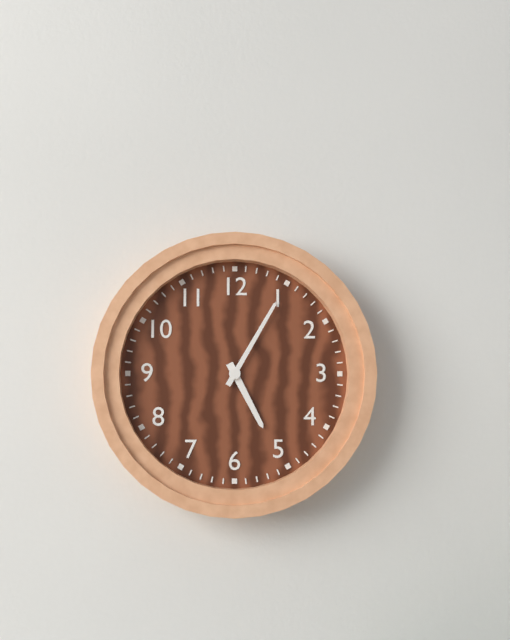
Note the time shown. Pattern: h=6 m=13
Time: h=5 m=5
